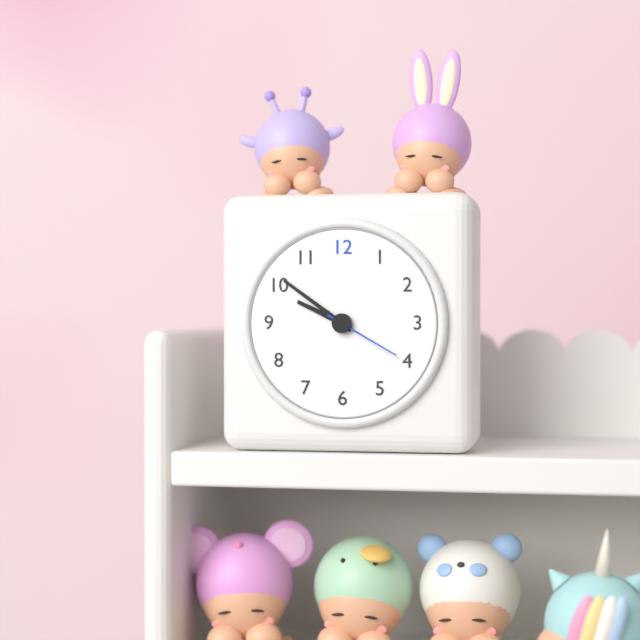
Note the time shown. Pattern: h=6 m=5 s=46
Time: h=9 m=51 s=20
